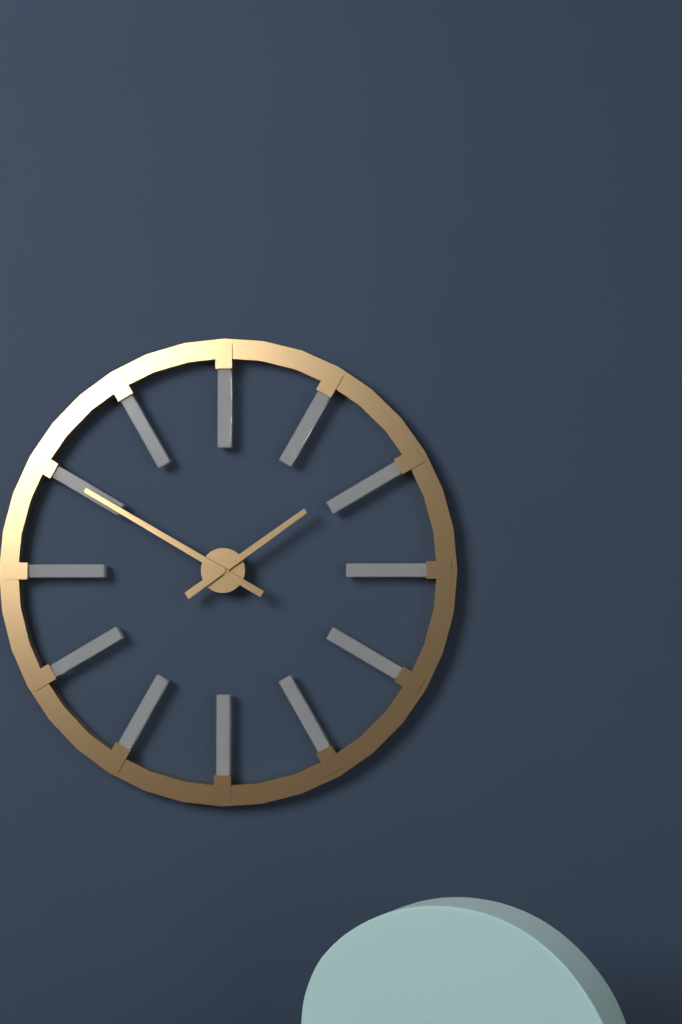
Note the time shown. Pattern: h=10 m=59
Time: h=1 m=50
